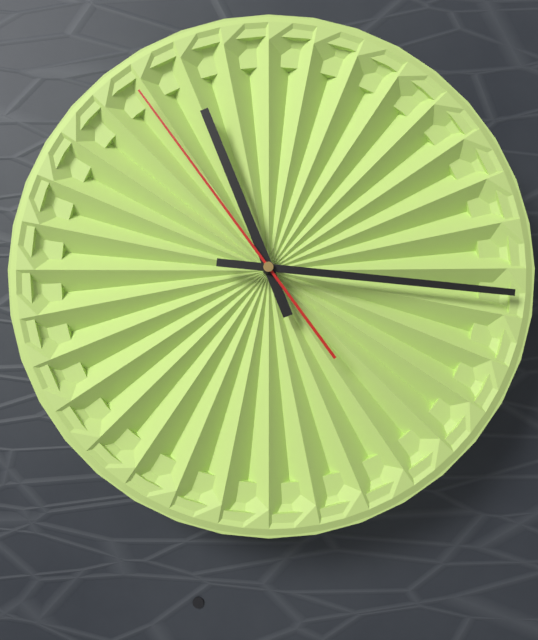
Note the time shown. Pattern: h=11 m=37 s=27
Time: h=11 m=16 s=54
